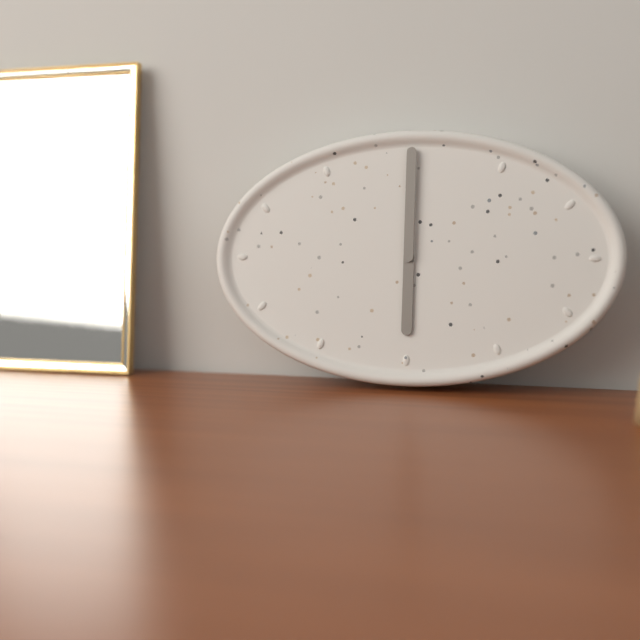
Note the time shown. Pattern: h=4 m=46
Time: h=6 m=0
